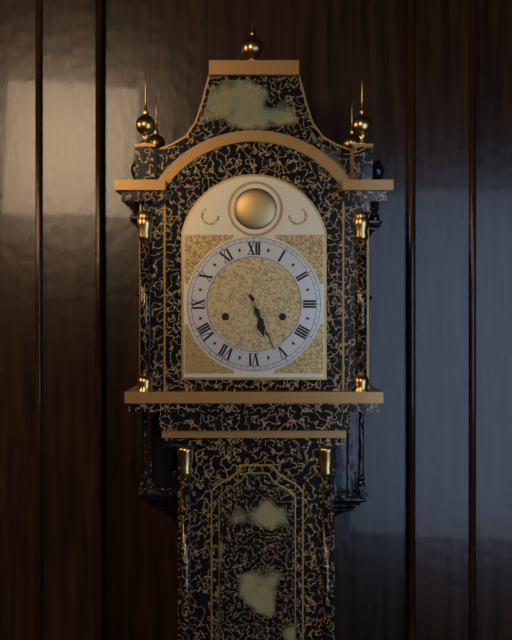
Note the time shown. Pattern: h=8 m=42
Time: h=5 m=26
